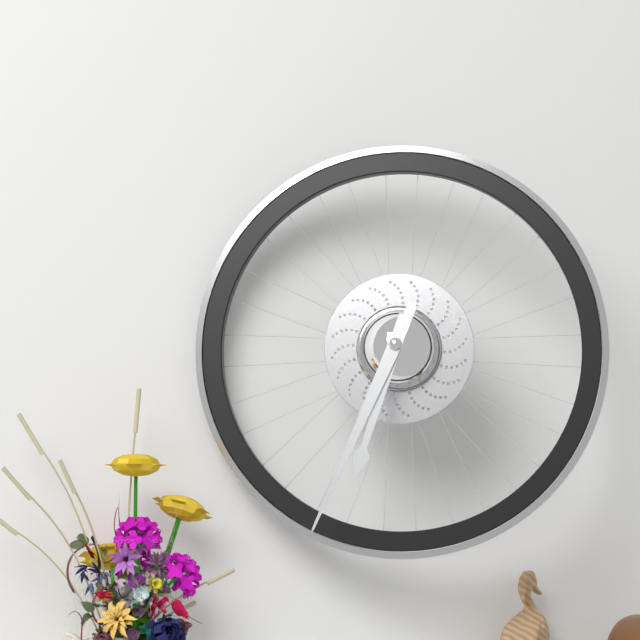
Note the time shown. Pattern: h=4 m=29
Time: h=6 m=34
